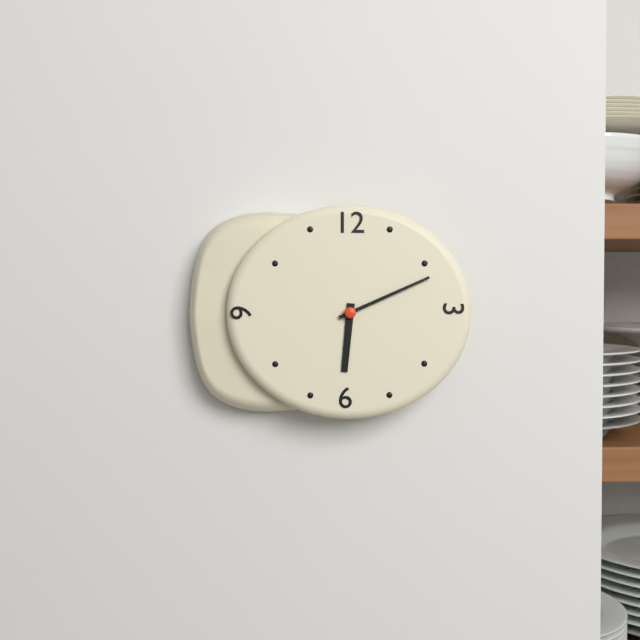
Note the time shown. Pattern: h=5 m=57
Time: h=6 m=11
